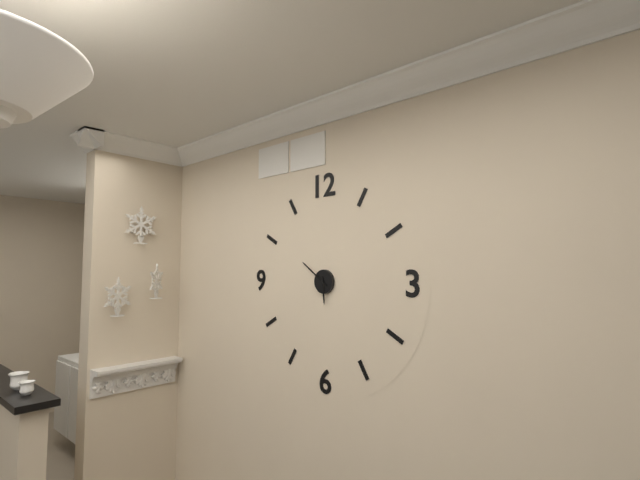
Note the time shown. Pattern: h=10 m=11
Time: h=5 m=51
